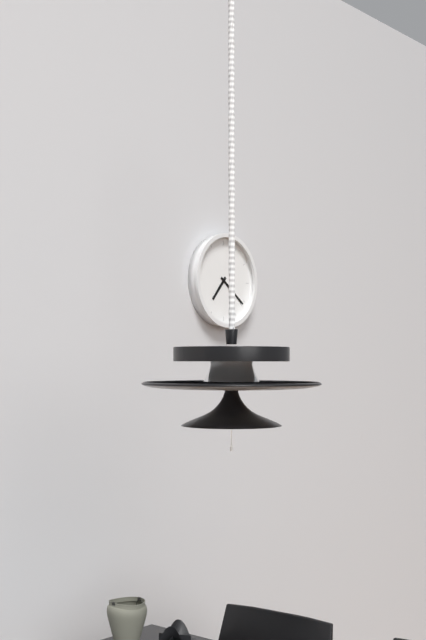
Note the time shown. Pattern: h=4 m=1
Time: h=7 m=21
